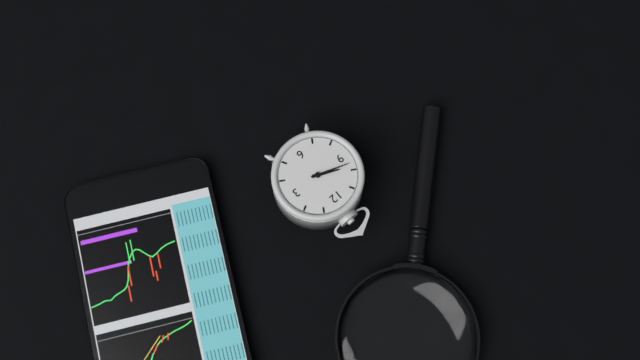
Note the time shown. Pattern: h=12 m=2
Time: h=9 m=48
